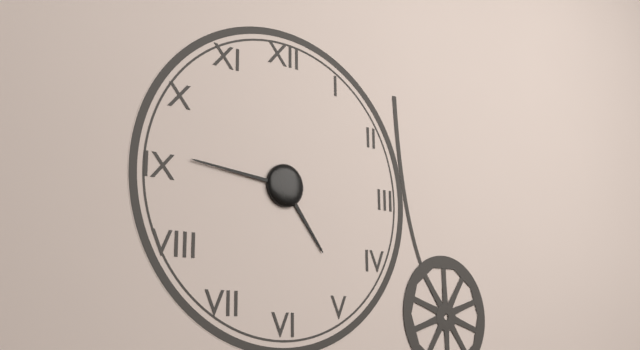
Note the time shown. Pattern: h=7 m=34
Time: h=4 m=46
